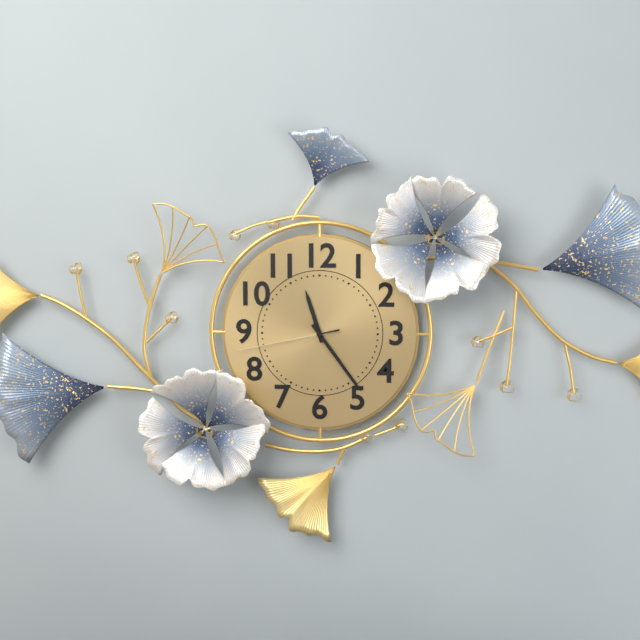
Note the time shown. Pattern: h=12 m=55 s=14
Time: h=11 m=24 s=43
